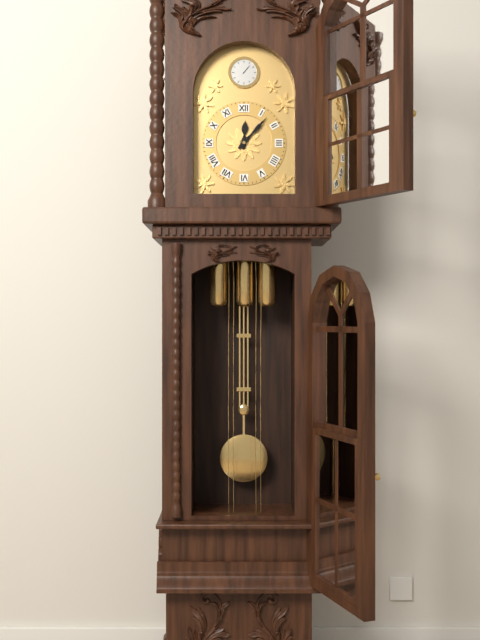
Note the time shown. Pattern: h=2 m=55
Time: h=12 m=7
